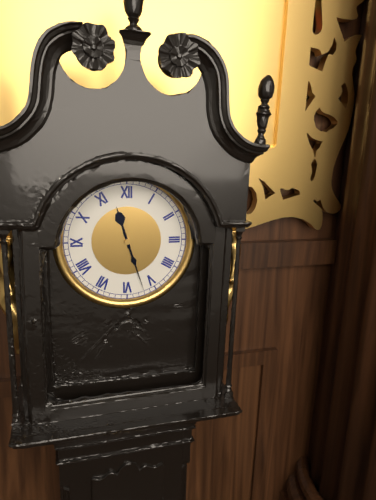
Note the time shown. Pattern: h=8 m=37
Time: h=11 m=27
